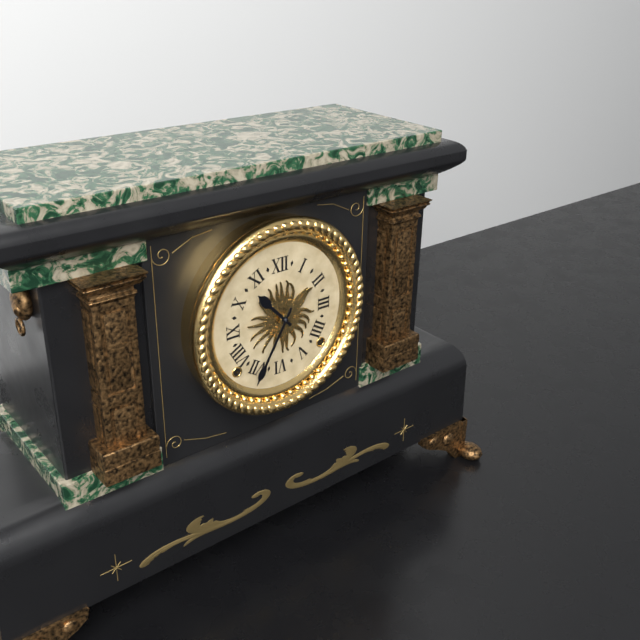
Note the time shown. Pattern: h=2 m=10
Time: h=10 m=35
